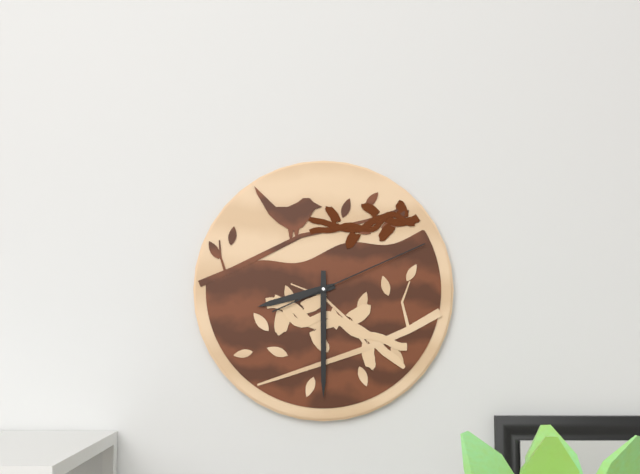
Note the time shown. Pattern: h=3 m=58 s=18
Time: h=8 m=30 s=11
